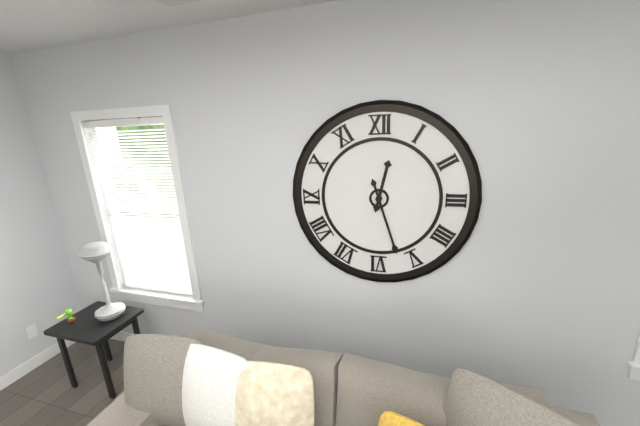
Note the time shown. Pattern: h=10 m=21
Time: h=12 m=27
